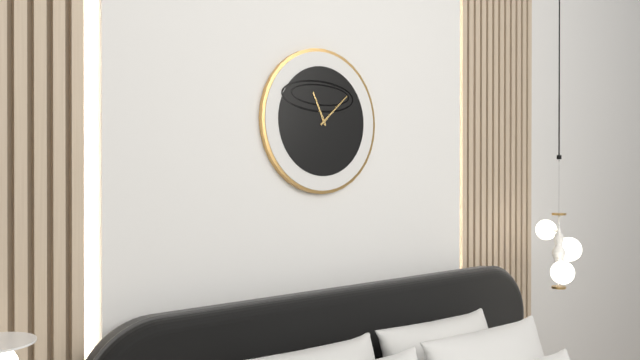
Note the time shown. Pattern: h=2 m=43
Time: h=11 m=8
